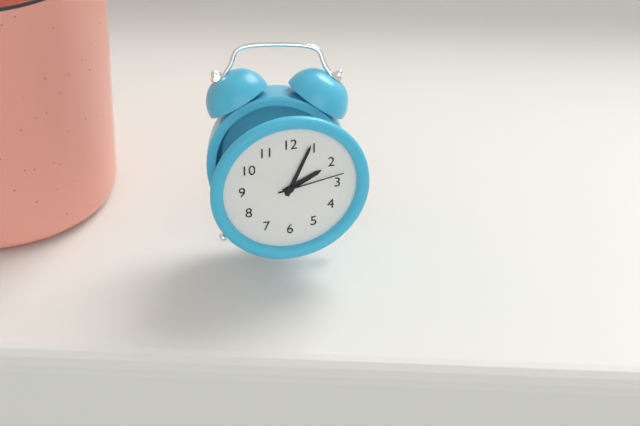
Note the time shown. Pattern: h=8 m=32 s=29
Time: h=2 m=4 s=13
